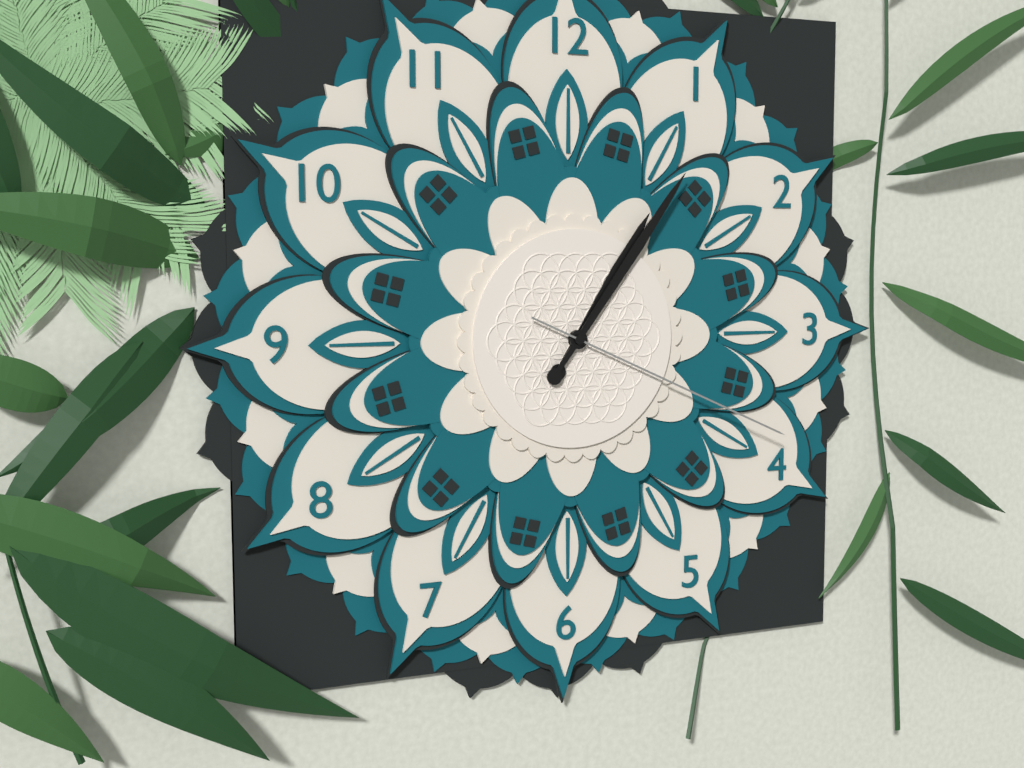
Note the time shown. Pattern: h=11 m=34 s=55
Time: h=1 m=6 s=19
